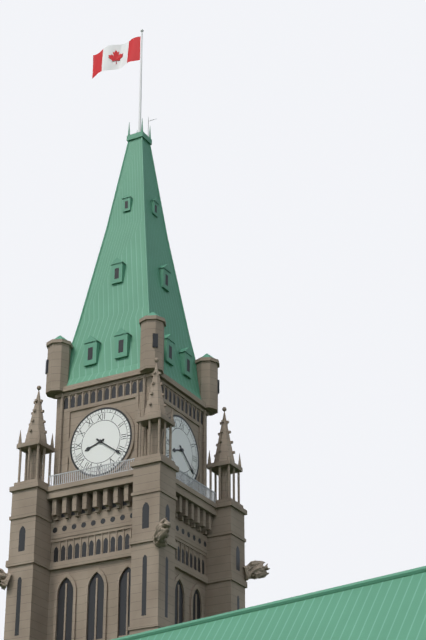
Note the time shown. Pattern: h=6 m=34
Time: h=8 m=21
